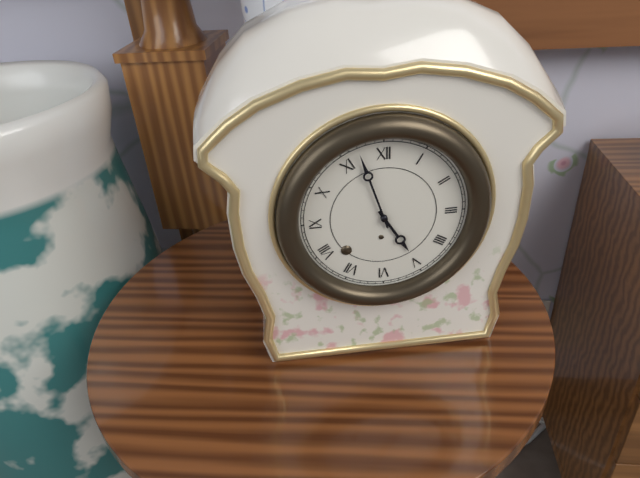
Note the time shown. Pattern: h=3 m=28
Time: h=4 m=57
